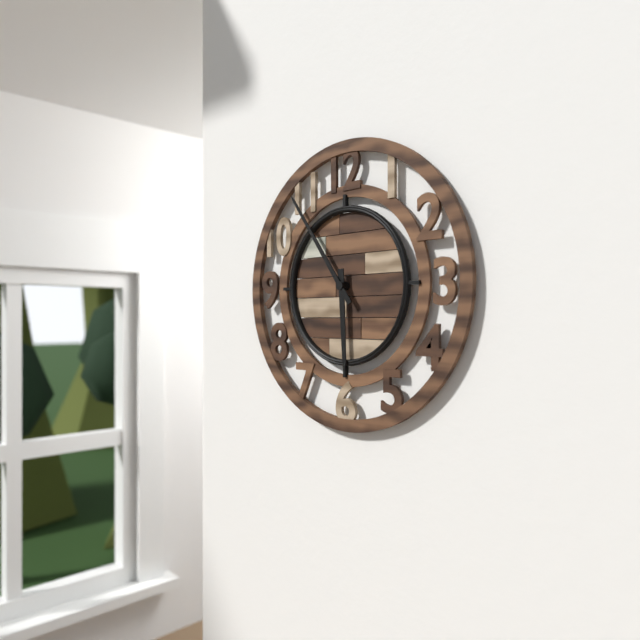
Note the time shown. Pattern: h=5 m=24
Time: h=5 m=54
